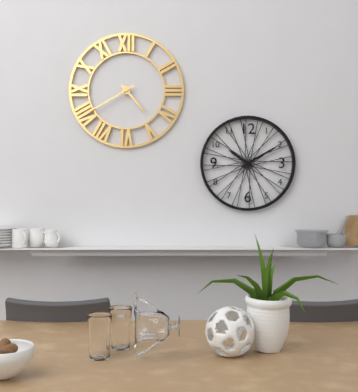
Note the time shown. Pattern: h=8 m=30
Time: h=4 m=40
